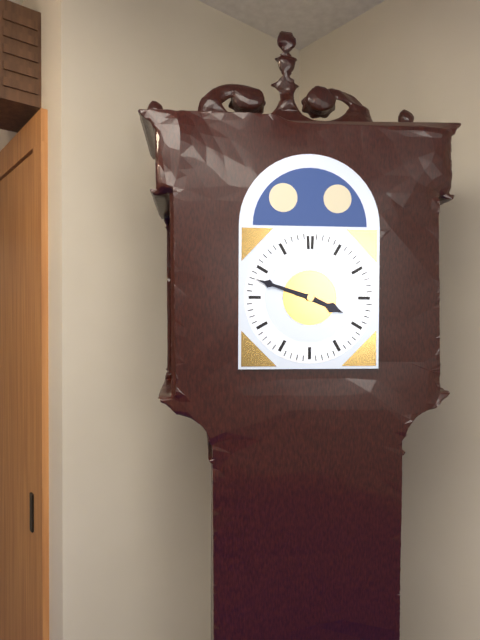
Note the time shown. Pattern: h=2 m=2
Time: h=3 m=48
